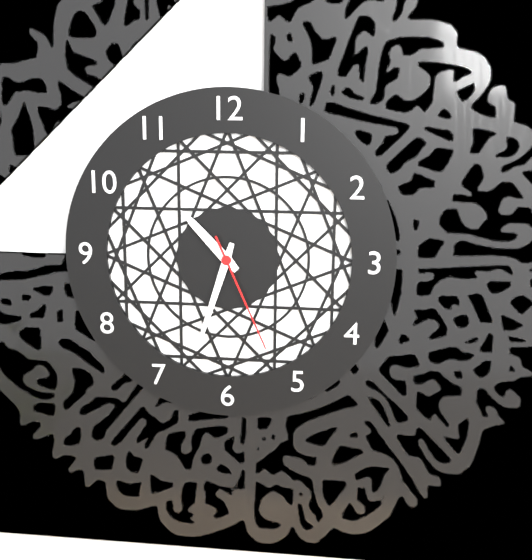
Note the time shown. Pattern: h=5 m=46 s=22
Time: h=10 m=33 s=26
